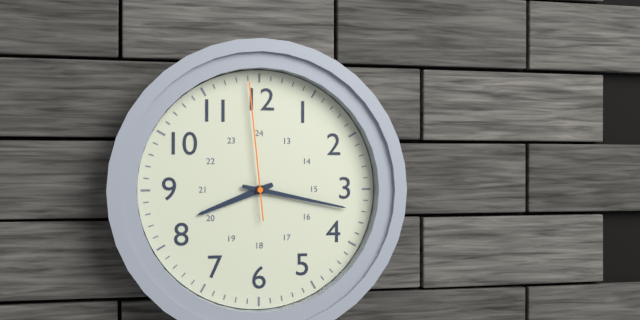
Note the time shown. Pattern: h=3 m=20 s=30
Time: h=8 m=17 s=59
